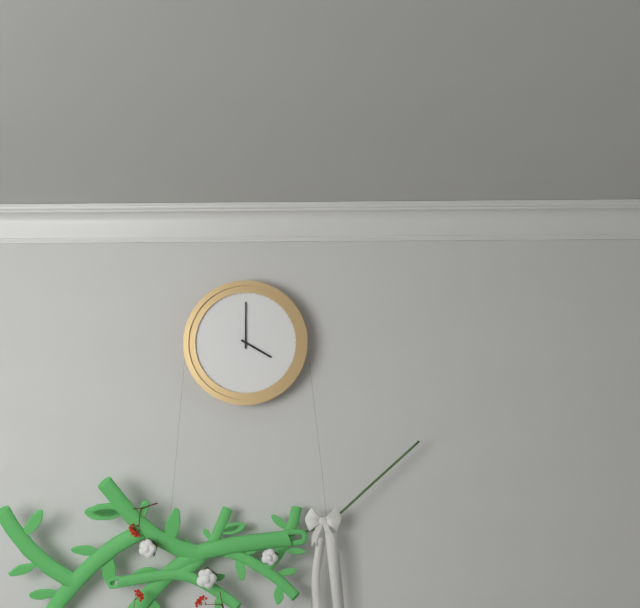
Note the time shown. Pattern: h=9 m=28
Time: h=4 m=0
